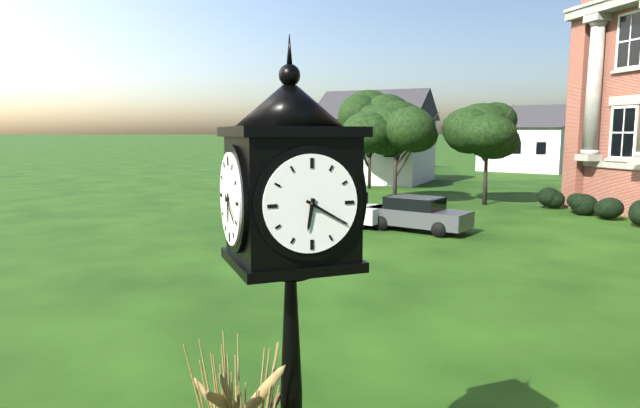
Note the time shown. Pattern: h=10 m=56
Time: h=6 m=20
